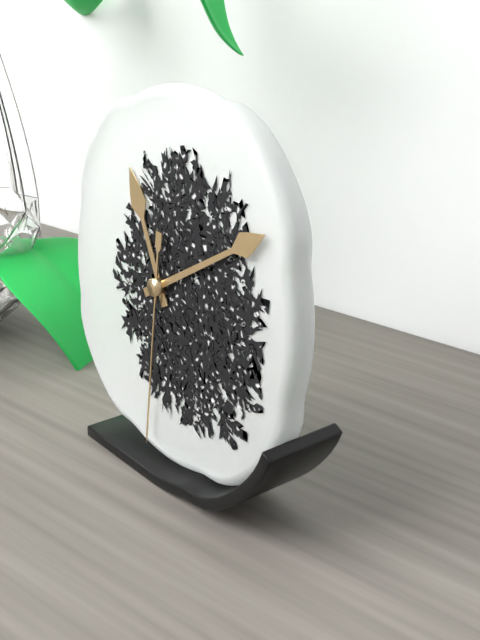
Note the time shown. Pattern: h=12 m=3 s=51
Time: h=11 m=10 s=31
